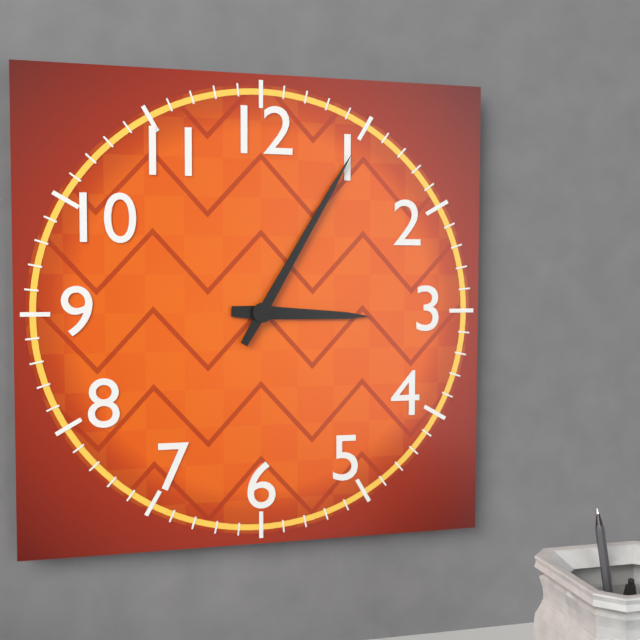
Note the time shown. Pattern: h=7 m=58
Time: h=3 m=5
